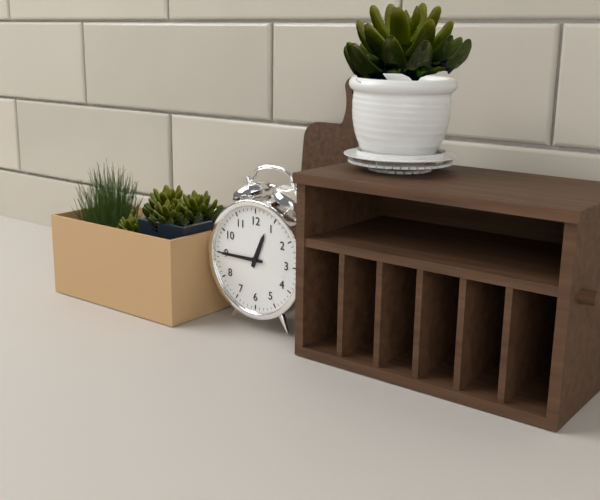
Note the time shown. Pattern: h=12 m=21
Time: h=12 m=45
